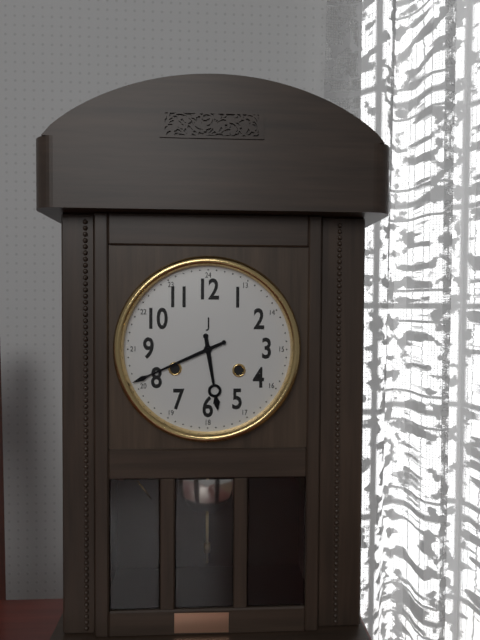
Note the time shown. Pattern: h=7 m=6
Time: h=5 m=41
